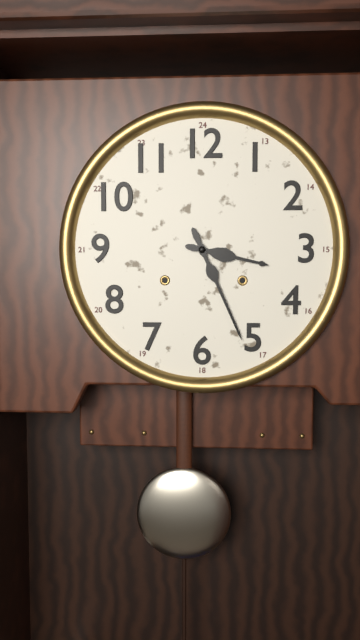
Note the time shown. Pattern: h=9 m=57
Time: h=3 m=26
